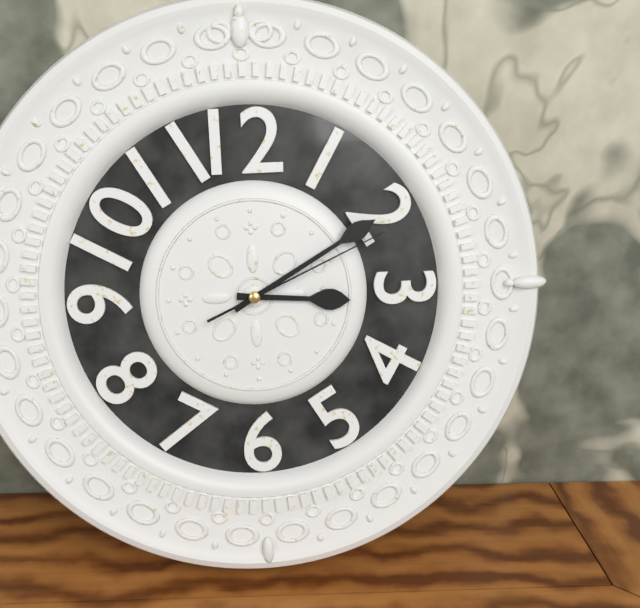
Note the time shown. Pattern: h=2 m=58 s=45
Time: h=3 m=10 s=11
